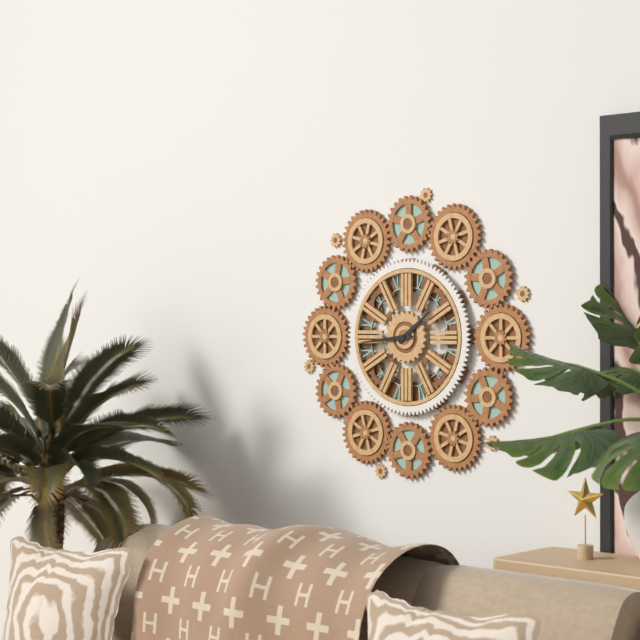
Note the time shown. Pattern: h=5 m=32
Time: h=1 m=44
